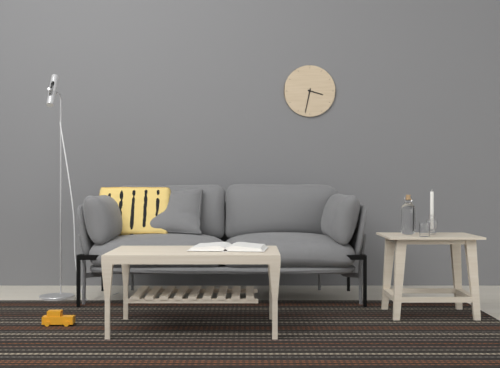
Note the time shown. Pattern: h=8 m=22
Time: h=3 m=32
